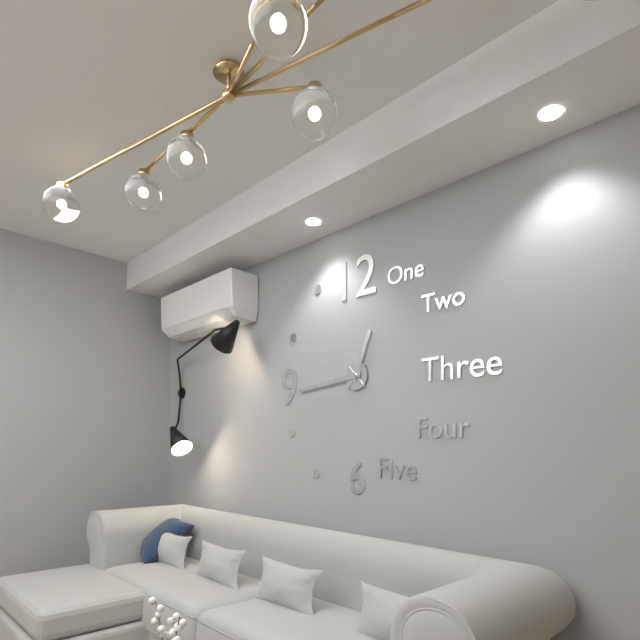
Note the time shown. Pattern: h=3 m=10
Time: h=12 m=44
